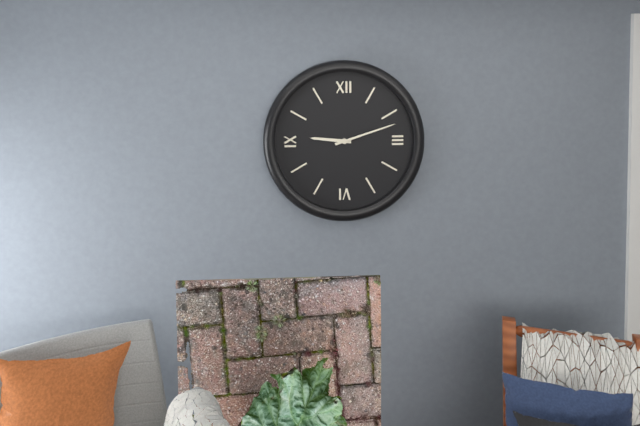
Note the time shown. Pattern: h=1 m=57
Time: h=9 m=12
